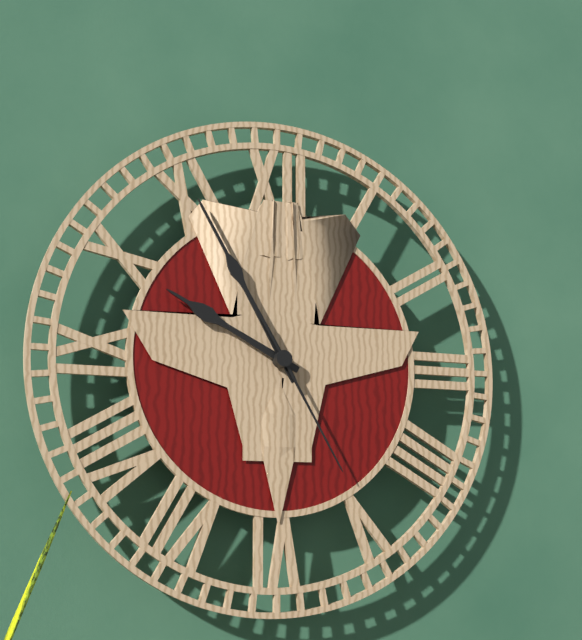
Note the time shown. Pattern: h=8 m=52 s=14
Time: h=9 m=55 s=25
